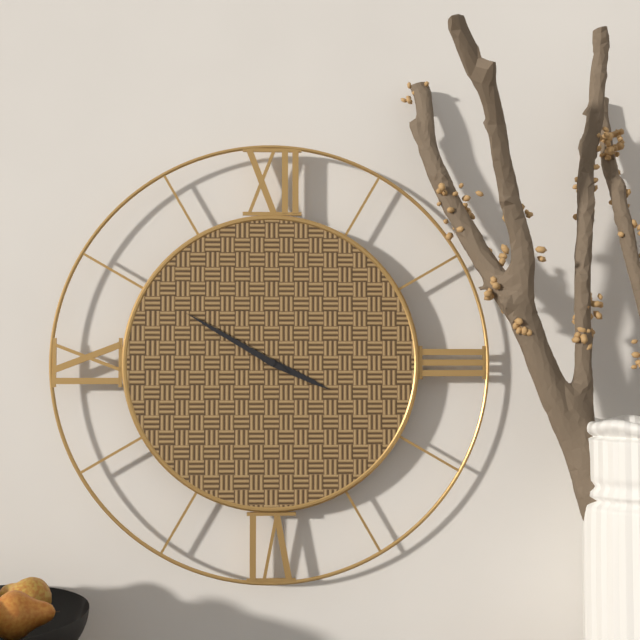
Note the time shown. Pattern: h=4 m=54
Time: h=3 m=50
